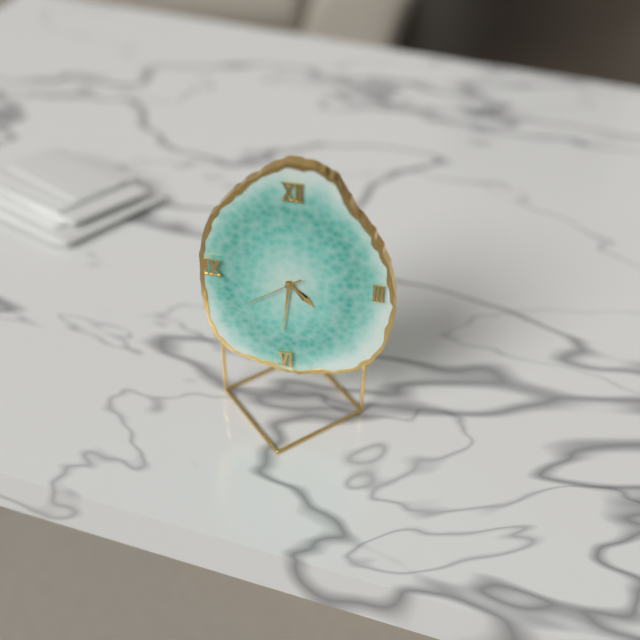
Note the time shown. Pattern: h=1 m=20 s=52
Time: h=4 m=31 s=39
